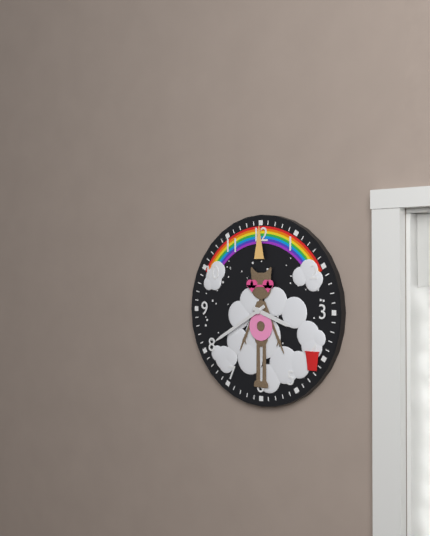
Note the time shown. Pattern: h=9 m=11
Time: h=3 m=40
